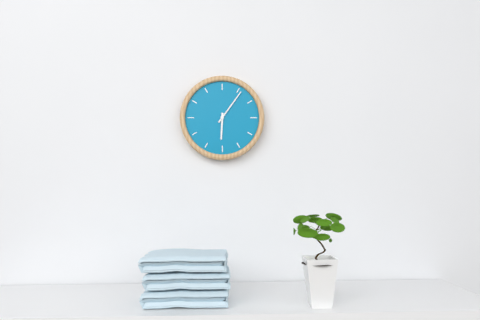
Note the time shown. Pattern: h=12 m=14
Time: h=6 m=6
